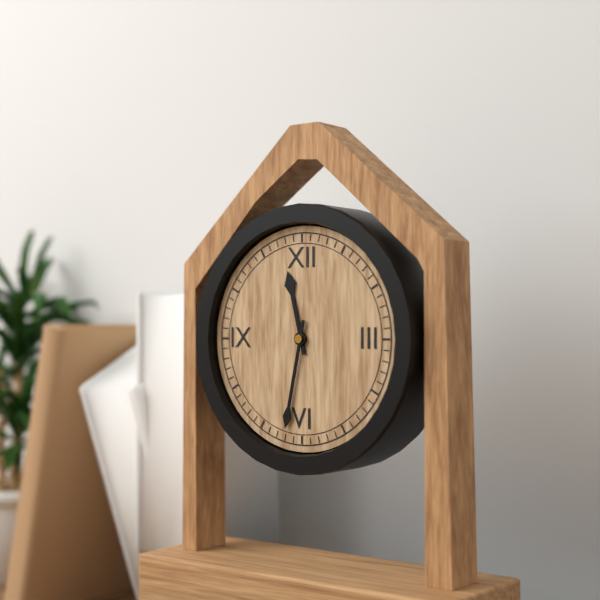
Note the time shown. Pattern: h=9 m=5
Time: h=11 m=32
